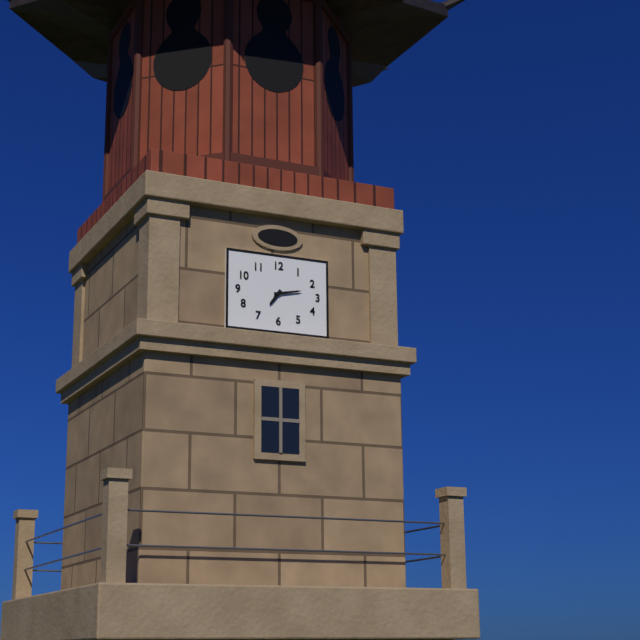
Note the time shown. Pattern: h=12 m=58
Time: h=7 m=13
